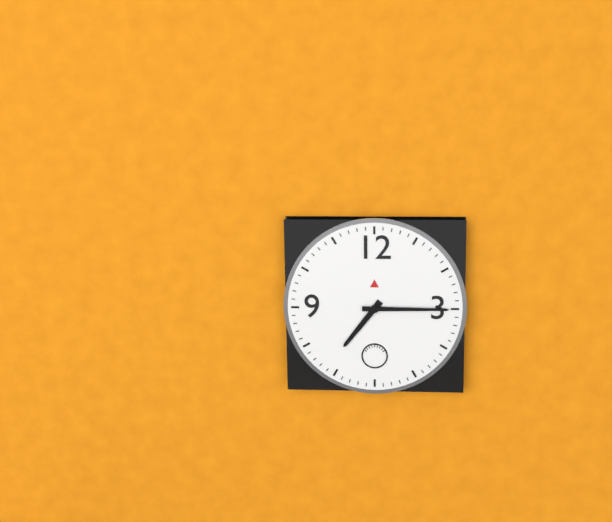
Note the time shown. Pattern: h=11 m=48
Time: h=7 m=15
